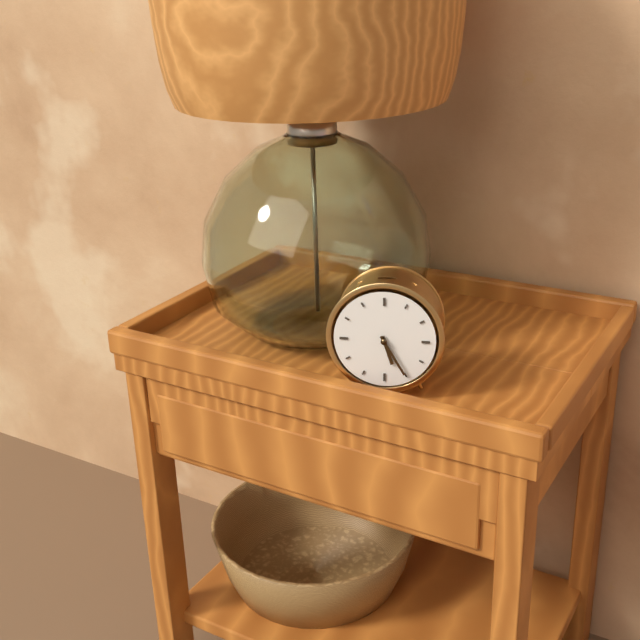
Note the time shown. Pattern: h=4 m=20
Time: h=5 m=25
